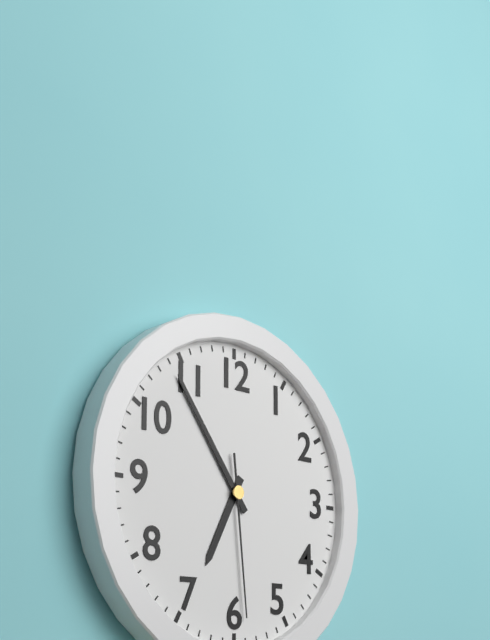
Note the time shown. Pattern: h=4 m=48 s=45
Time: h=6 m=54 s=29
